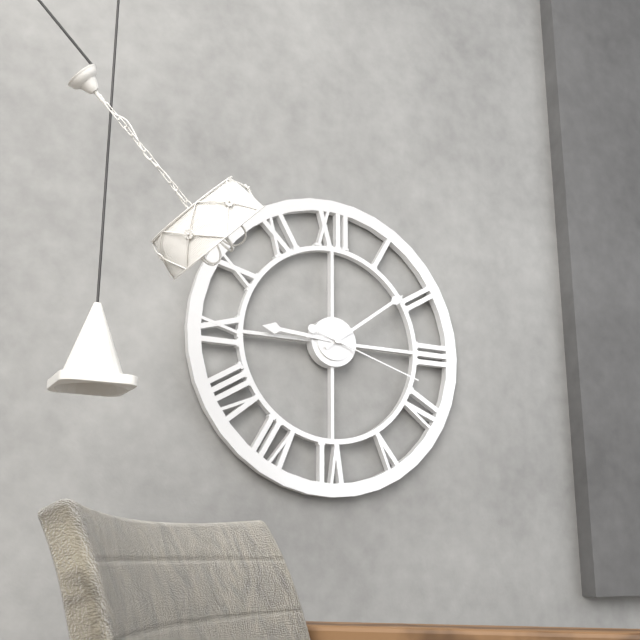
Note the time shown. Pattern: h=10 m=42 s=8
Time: h=9 m=9 s=18
